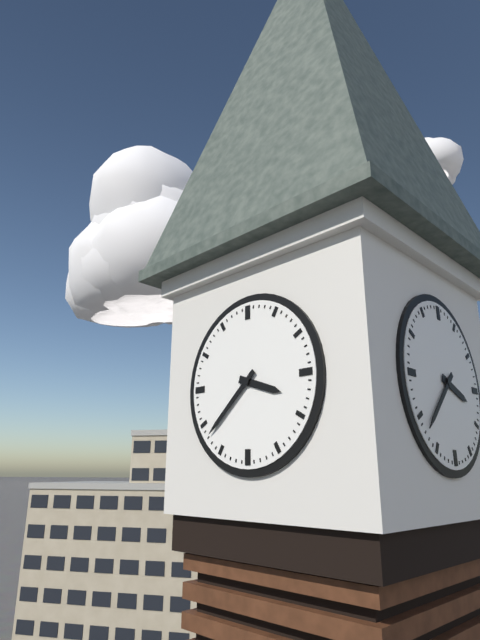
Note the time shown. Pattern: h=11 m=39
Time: h=3 m=38
